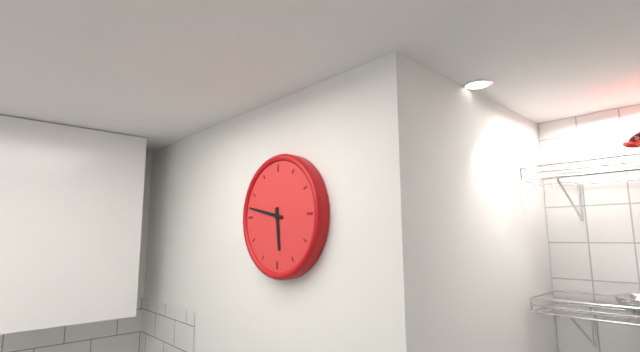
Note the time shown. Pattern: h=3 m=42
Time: h=5 m=47
